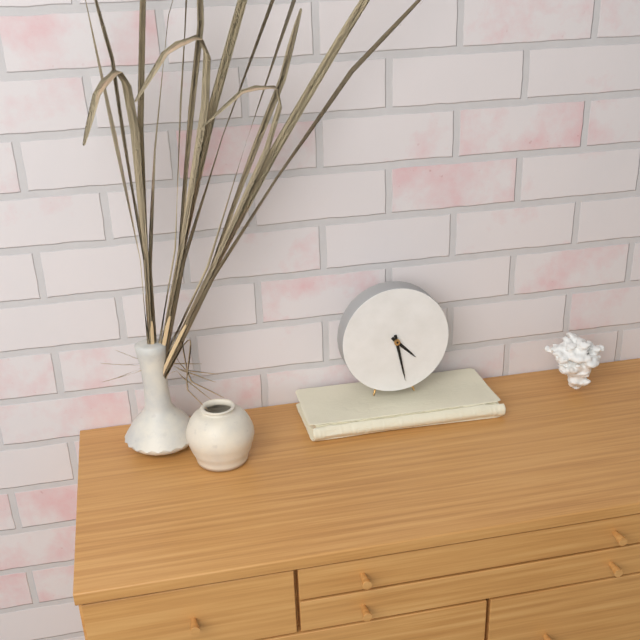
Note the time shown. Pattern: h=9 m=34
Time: h=4 m=28
